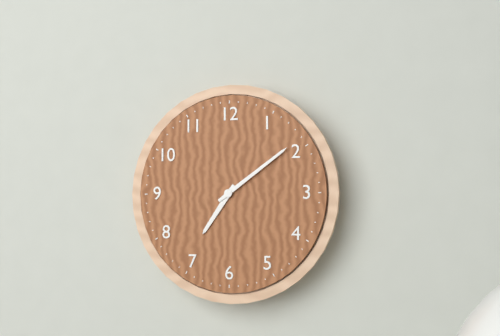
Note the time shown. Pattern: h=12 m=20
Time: h=7 m=9
